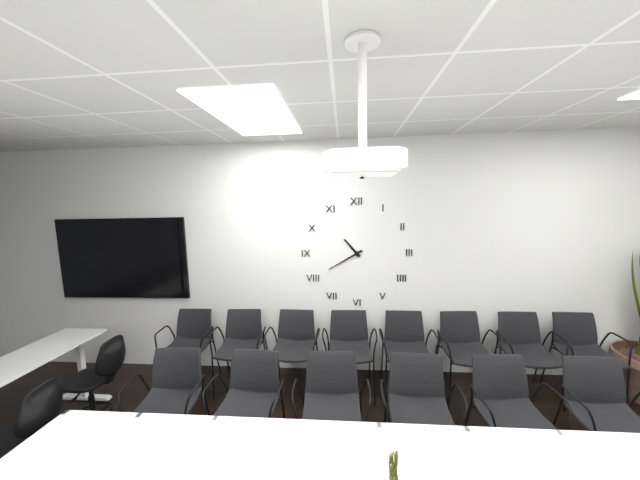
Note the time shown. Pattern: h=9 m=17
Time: h=10 m=40
